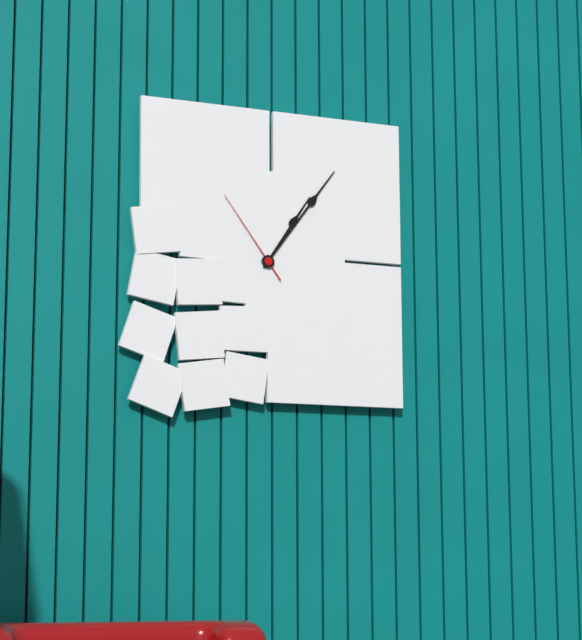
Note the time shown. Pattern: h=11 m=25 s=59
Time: h=1 m=6 s=54
